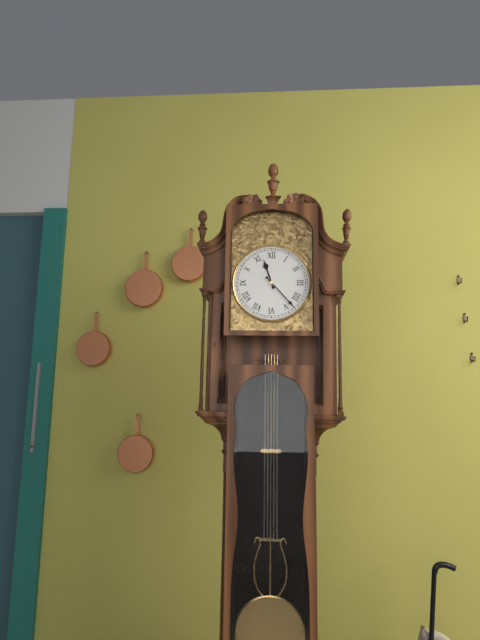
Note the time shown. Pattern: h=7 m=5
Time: h=11 m=23
